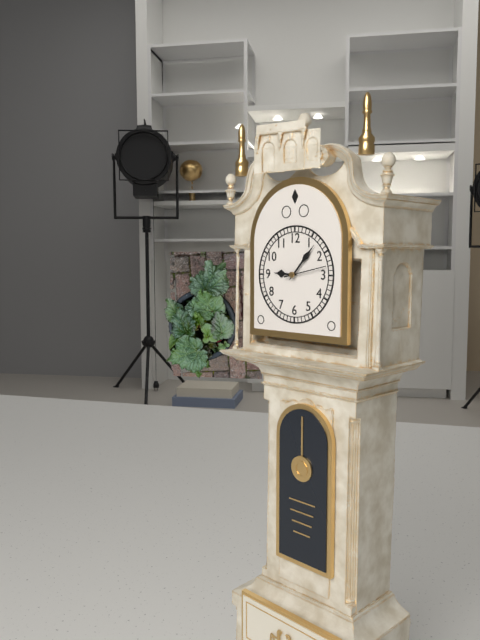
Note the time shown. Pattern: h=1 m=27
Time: h=9 m=7
